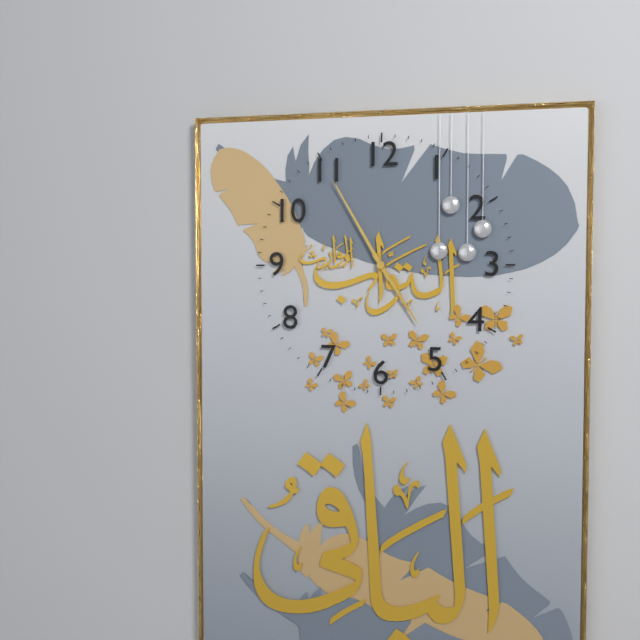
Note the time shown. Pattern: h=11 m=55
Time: h=4 m=55
